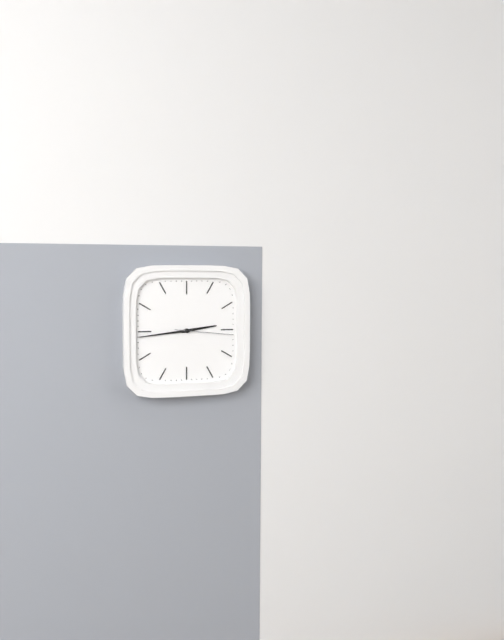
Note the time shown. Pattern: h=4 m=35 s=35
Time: h=2 m=44 s=16
